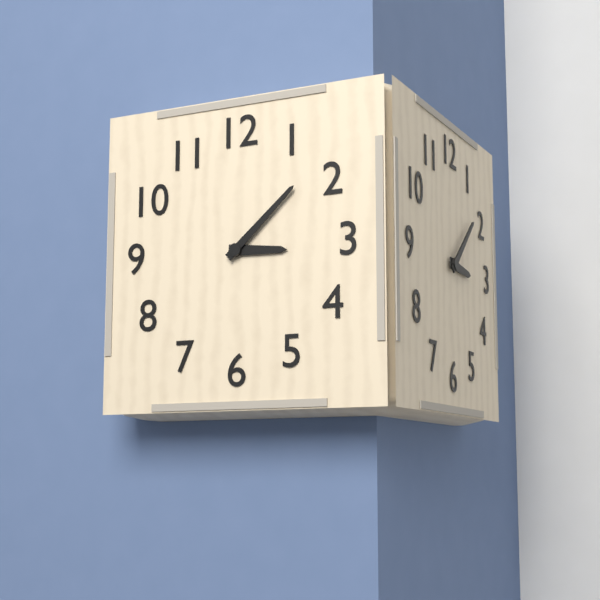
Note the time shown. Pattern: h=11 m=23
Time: h=3 m=8
